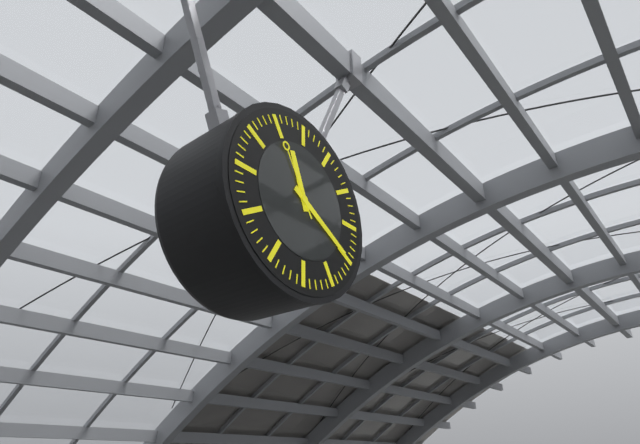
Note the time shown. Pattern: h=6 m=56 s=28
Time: h=11 m=20 s=55
